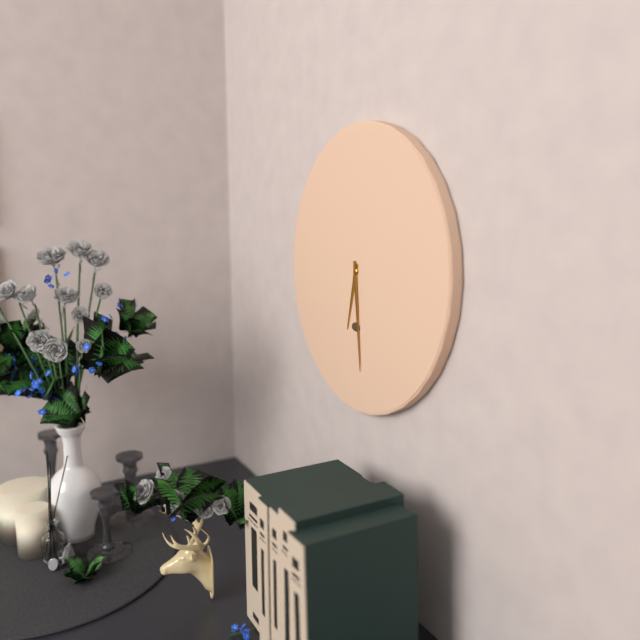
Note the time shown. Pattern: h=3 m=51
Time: h=6 m=29
